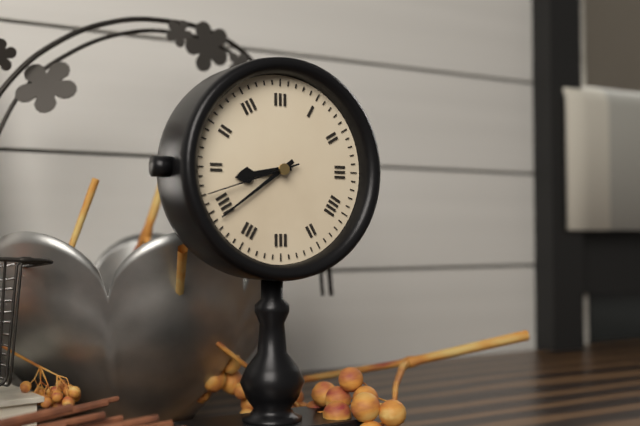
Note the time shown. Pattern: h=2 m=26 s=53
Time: h=8 m=39 s=42
